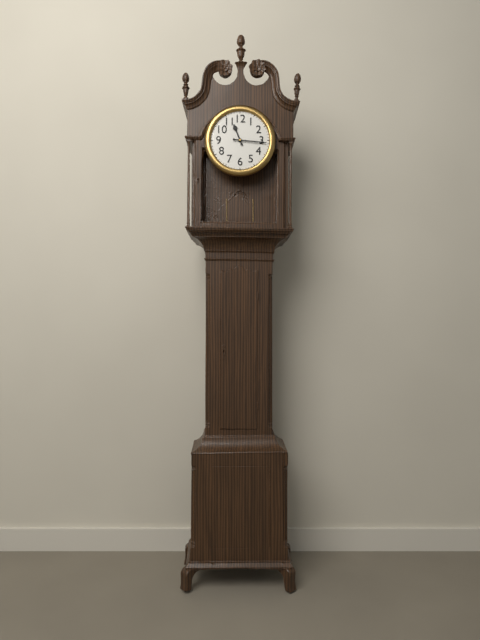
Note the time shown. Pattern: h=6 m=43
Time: h=11 m=16
